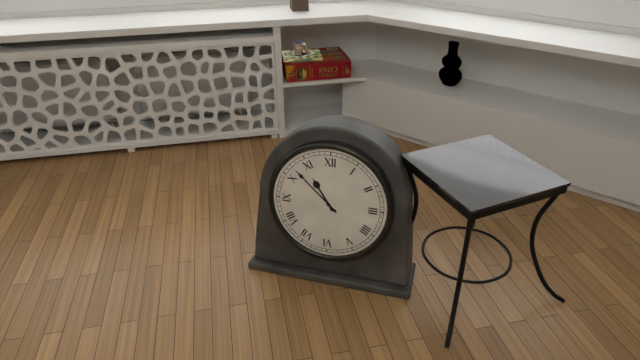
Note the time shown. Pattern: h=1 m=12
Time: h=10 m=52
